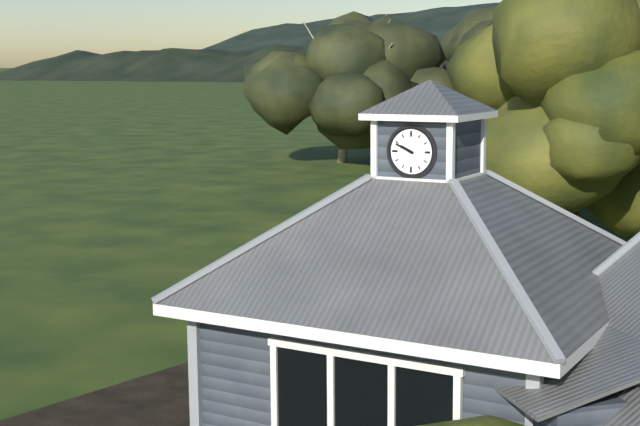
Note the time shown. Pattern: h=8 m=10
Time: h=9 m=49
